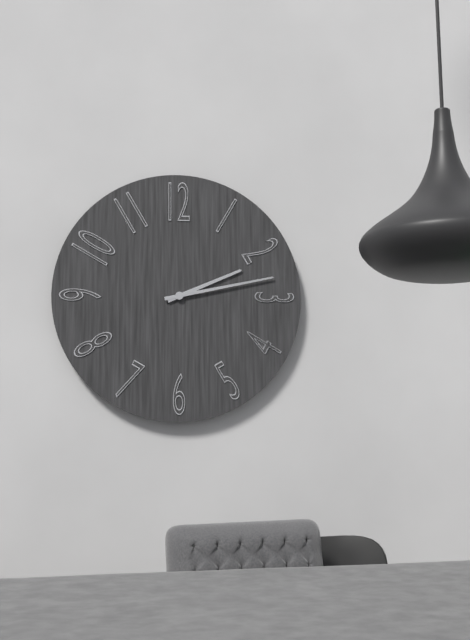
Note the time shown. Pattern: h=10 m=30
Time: h=2 m=13
